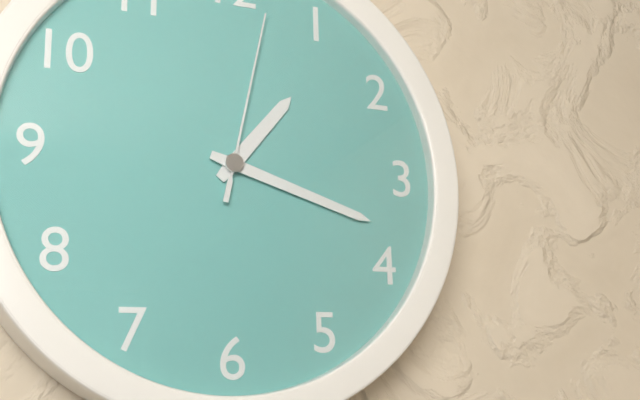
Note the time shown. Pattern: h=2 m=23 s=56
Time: h=1 m=18 s=2
